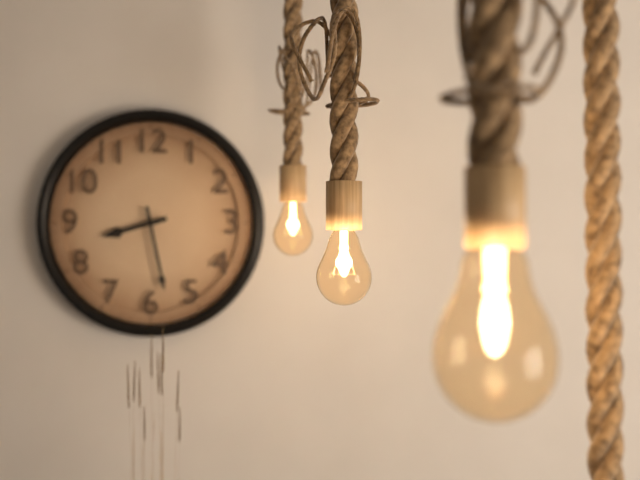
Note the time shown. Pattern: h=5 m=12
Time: h=8 m=28
